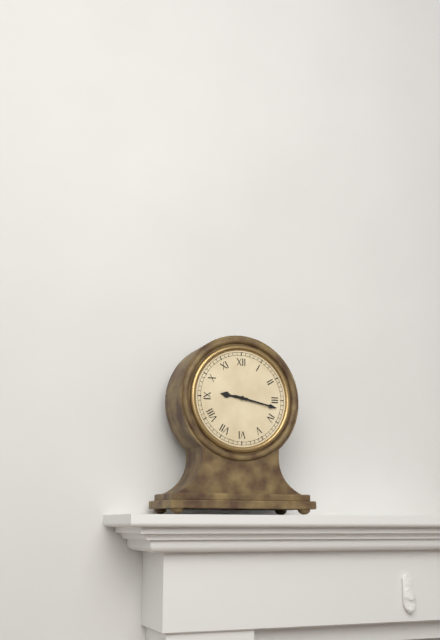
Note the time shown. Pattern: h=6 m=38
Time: h=9 m=17
